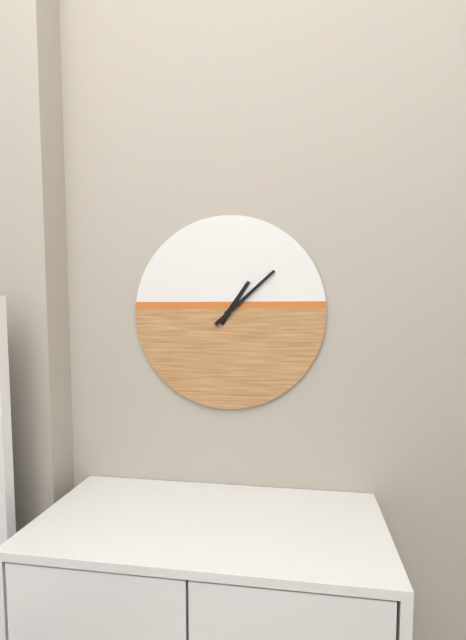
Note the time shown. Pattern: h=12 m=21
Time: h=1 m=8
